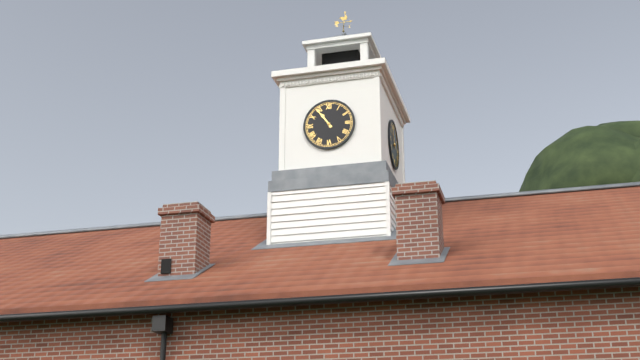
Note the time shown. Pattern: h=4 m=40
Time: h=10 m=54
